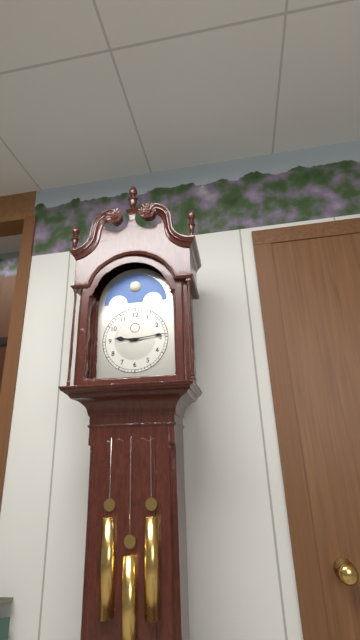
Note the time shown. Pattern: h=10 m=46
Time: h=9 m=14
